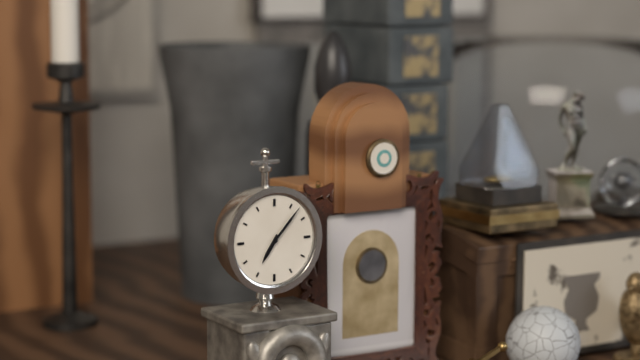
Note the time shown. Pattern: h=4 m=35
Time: h=7 m=7
